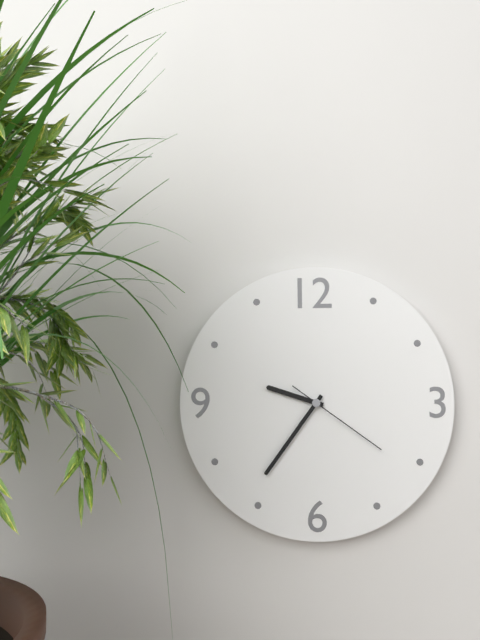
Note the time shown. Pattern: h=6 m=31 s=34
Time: h=9 m=36 s=21
